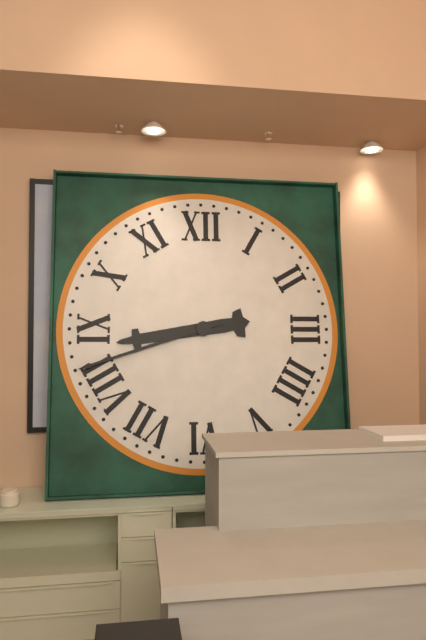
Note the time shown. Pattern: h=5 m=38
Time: h=8 m=42
